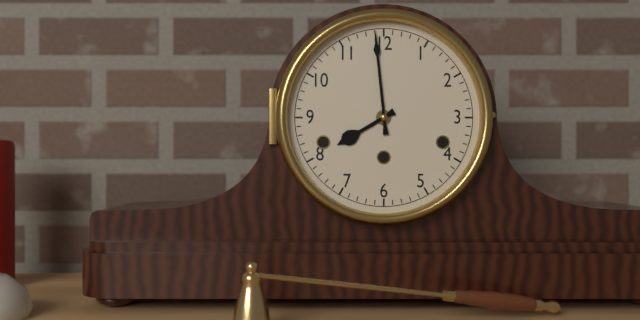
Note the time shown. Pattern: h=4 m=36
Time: h=7 m=59
